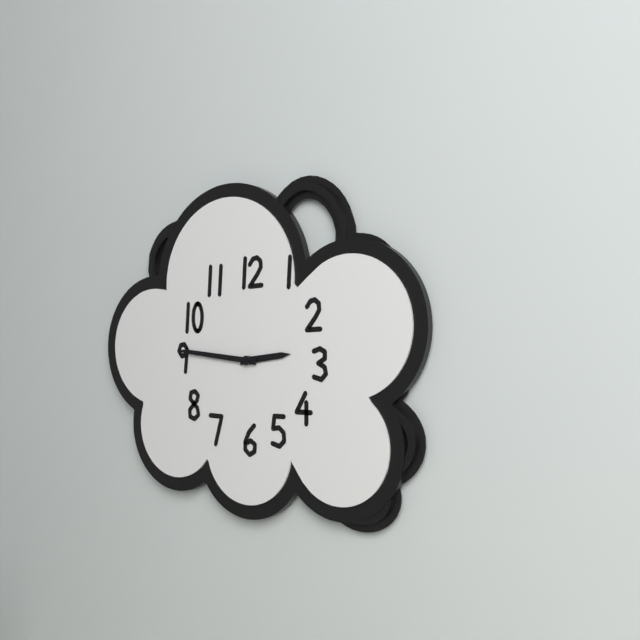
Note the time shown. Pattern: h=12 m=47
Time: h=2 m=46
